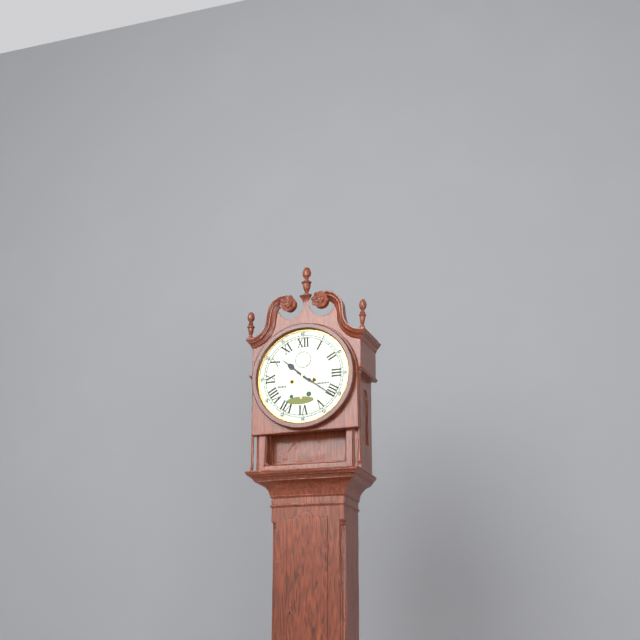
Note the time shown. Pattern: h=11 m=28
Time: h=10 m=21
